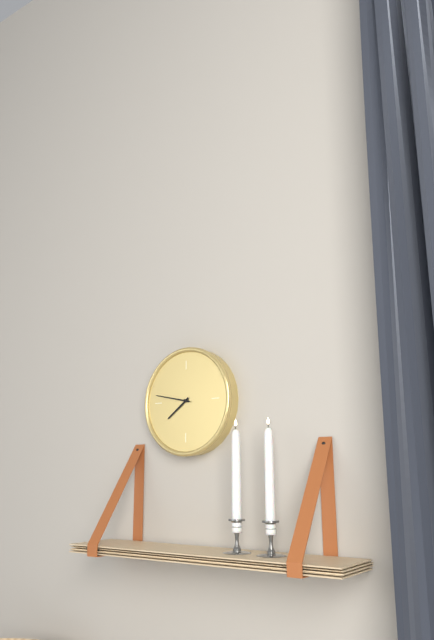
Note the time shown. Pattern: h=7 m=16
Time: h=7 m=47
